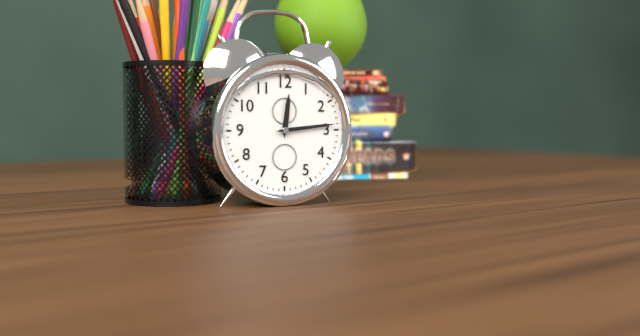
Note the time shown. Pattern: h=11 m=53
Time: h=12 m=14
